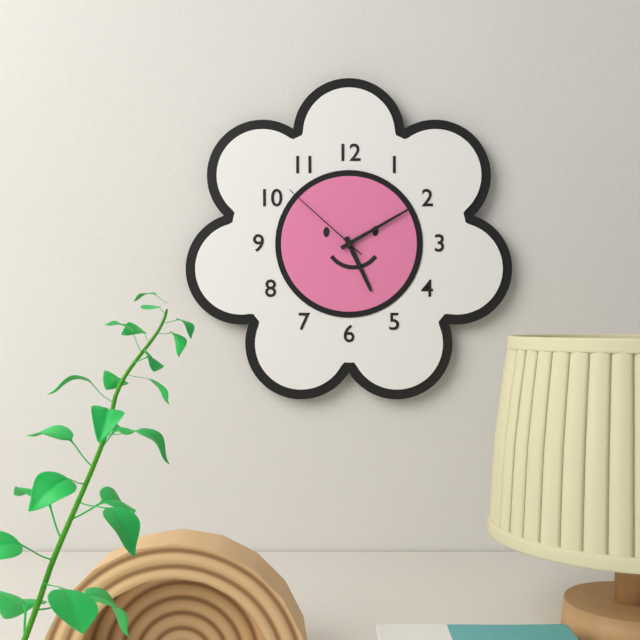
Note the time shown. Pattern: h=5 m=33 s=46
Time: h=5 m=10 s=52
